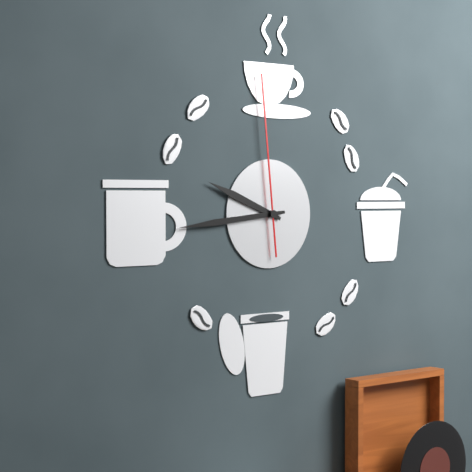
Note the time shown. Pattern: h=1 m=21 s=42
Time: h=9 m=44 s=59
